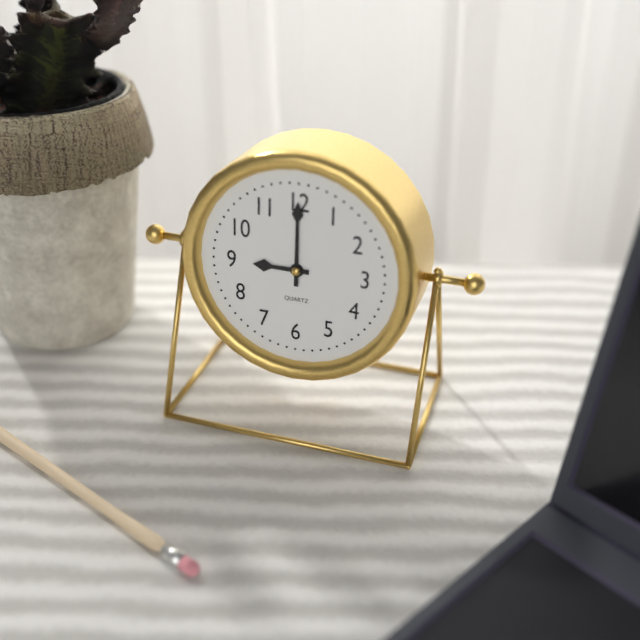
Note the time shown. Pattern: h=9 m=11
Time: h=9 m=0
